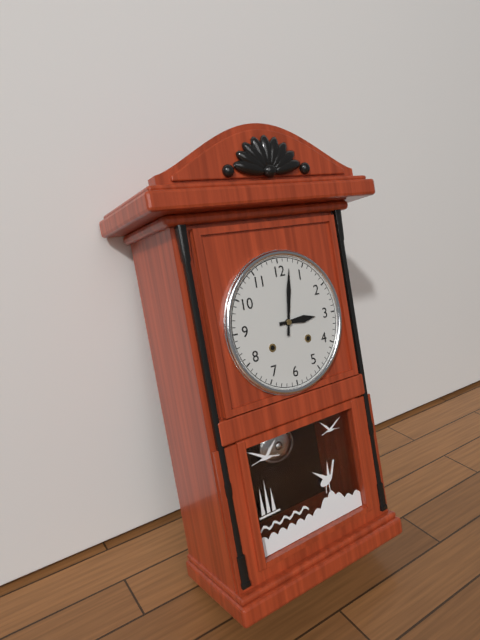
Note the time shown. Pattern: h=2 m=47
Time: h=3 m=2
